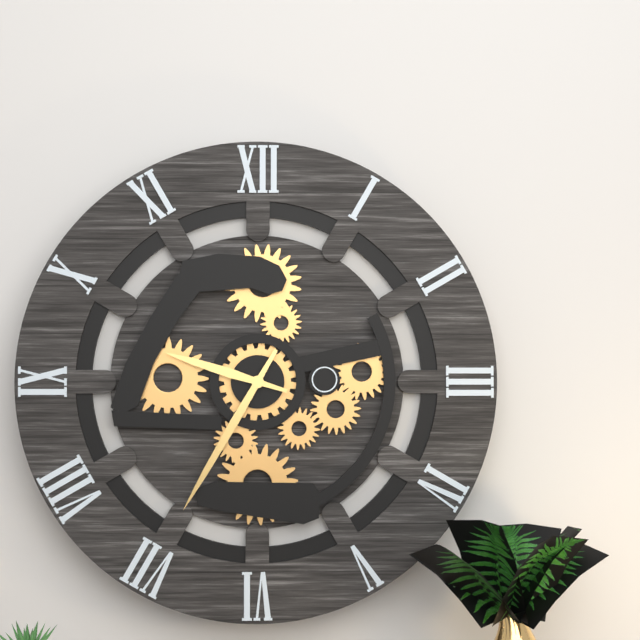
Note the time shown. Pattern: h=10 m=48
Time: h=9 m=35
